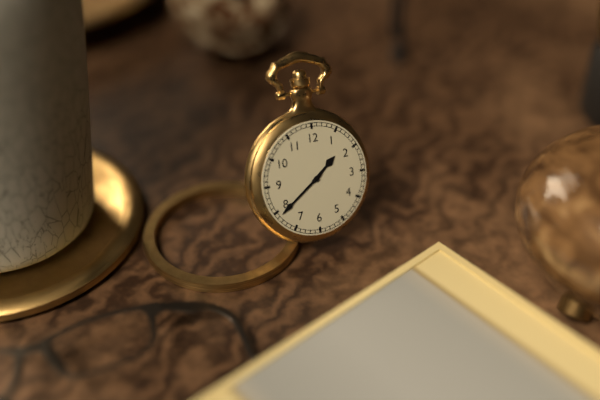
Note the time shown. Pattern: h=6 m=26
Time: h=1 m=39
